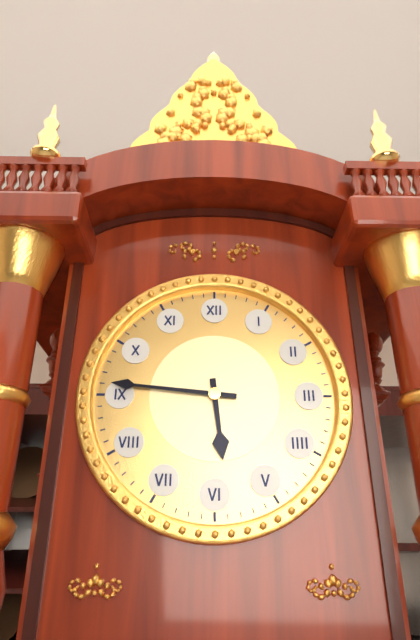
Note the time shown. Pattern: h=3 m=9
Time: h=5 m=46
